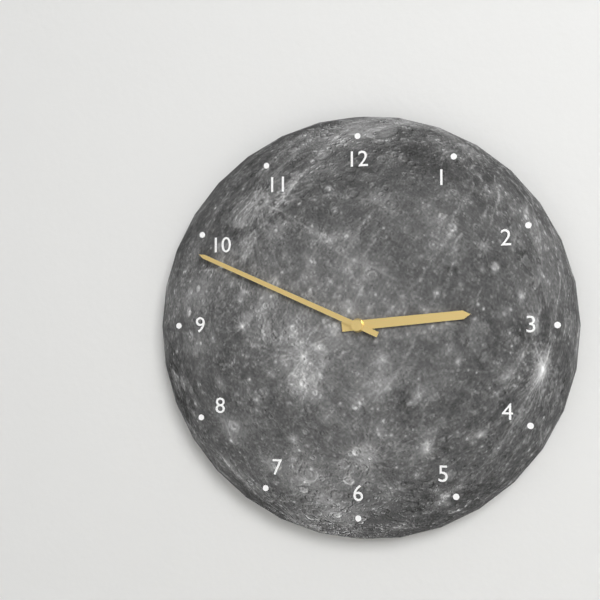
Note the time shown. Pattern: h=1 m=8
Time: h=2 m=49
